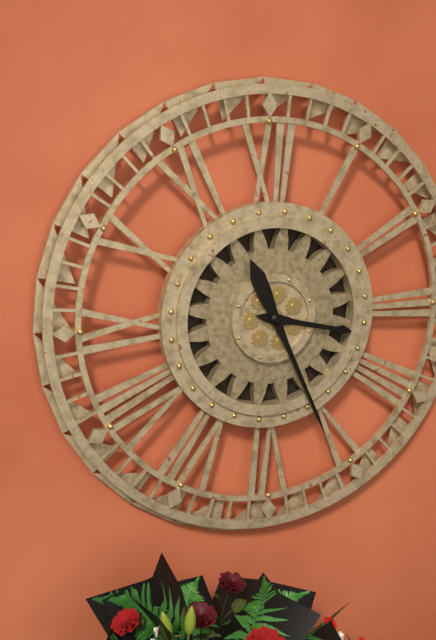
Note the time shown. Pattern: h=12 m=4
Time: h=3 m=26
